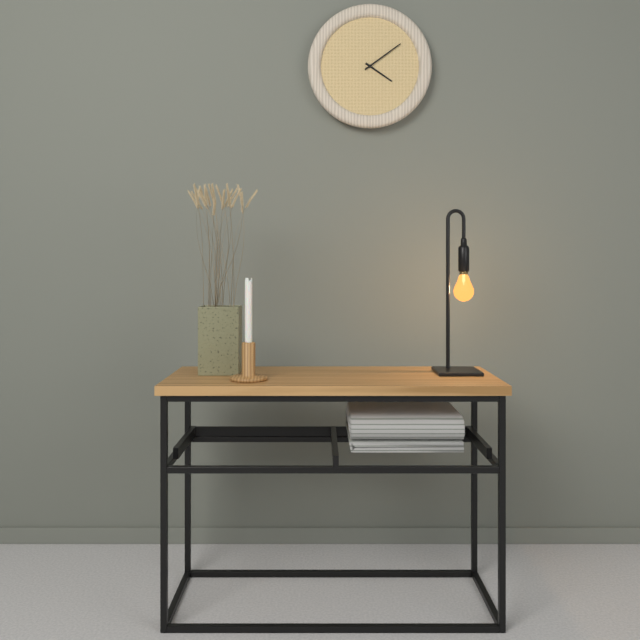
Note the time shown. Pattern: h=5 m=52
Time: h=4 m=9
